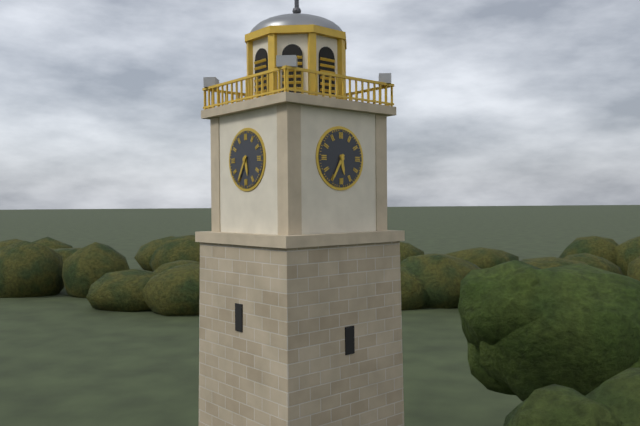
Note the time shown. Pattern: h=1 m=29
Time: h=5 m=35
